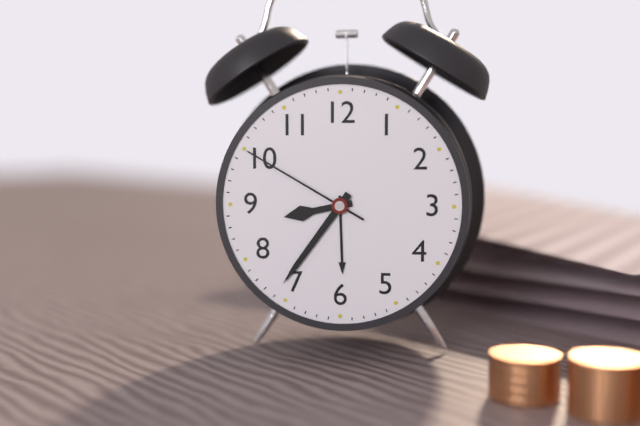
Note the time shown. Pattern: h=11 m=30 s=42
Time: h=8 m=36 s=50
